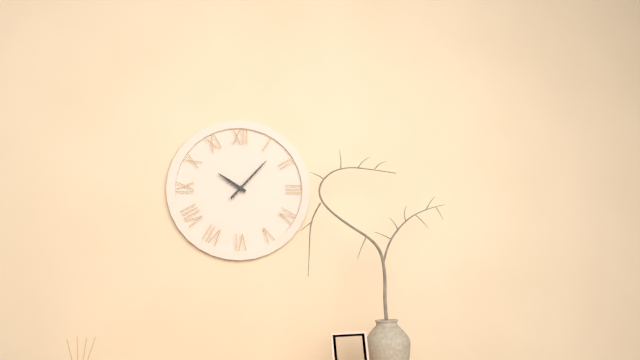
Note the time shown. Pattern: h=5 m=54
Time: h=10 m=7
